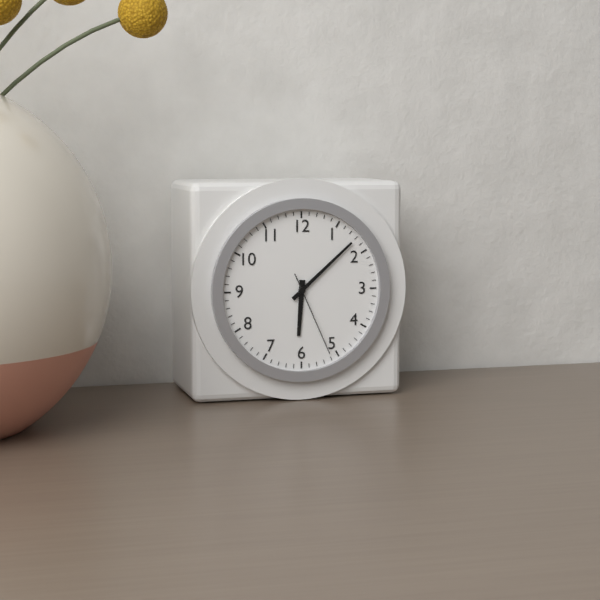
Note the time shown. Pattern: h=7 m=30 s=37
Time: h=6 m=8 s=26
